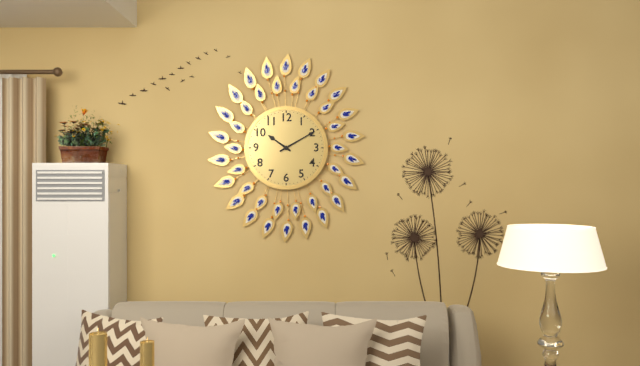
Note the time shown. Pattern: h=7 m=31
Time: h=10 m=10
